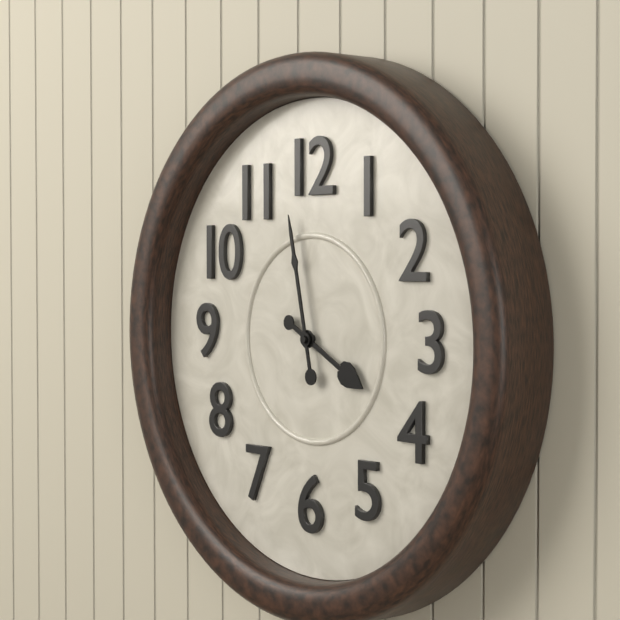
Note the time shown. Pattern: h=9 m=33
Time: h=3 m=58
